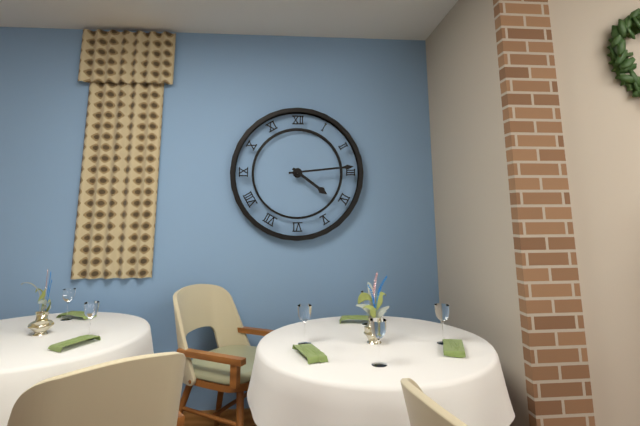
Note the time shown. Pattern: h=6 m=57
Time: h=4 m=14
